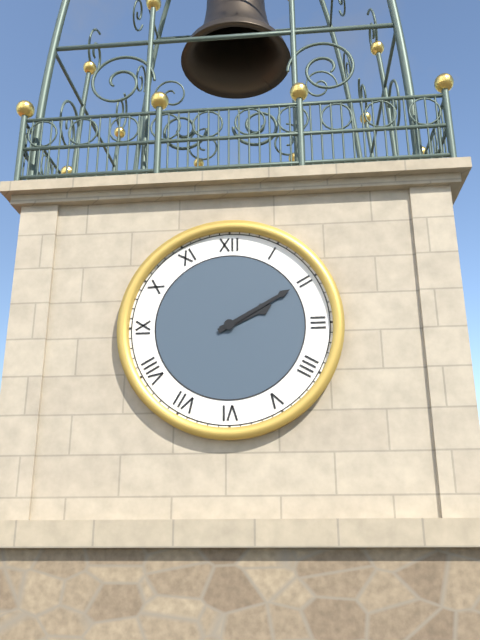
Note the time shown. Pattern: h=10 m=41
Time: h=2 m=10
